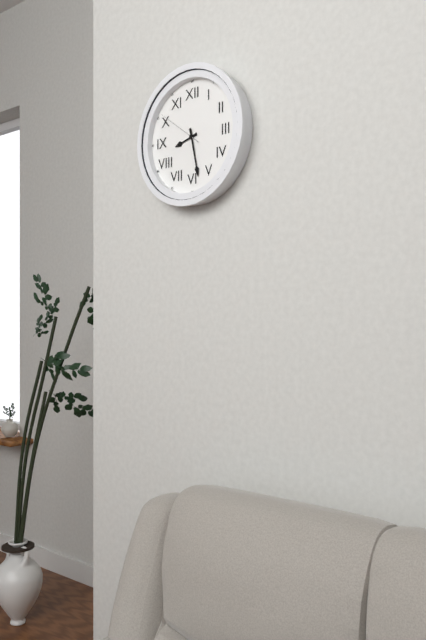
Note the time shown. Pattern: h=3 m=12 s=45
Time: h=8 m=28 s=51
